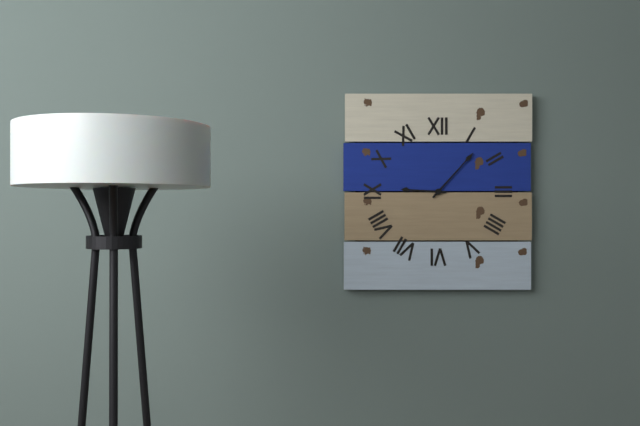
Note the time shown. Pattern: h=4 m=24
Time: h=9 m=7
